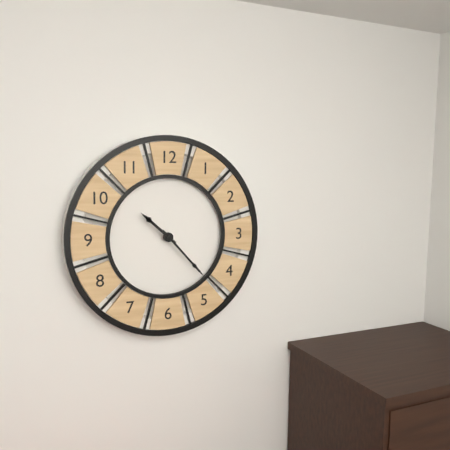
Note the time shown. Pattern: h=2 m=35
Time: h=10 m=23
